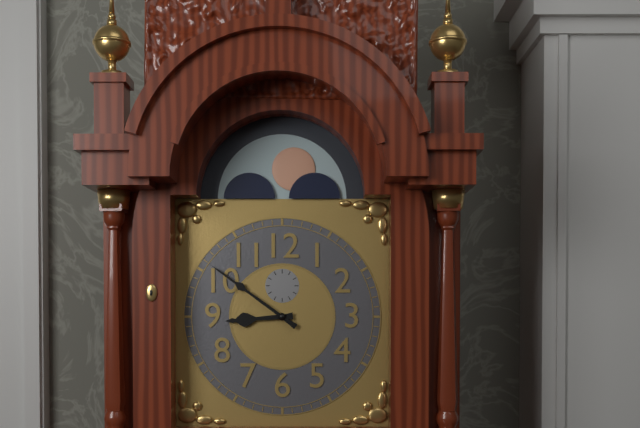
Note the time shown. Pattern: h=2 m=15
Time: h=8 m=51
